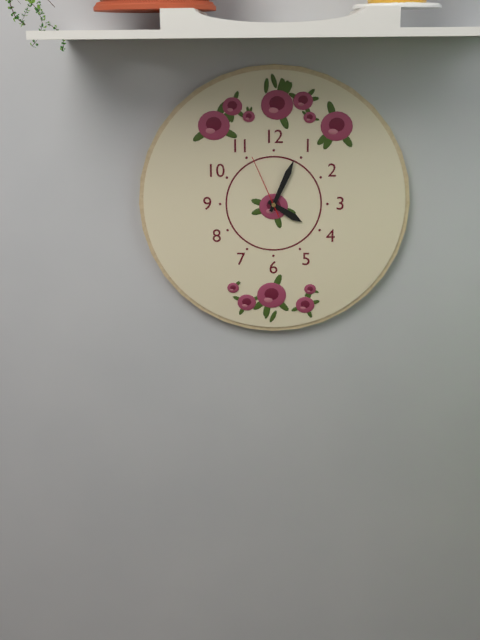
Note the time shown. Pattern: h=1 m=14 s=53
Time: h=4 m=4 s=56
